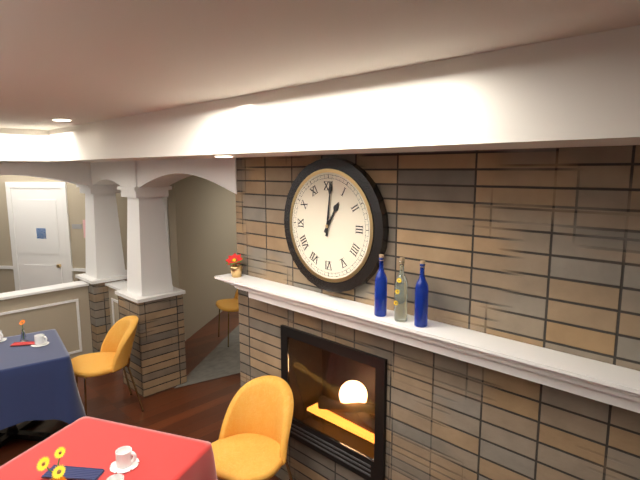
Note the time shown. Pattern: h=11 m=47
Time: h=1 m=1
